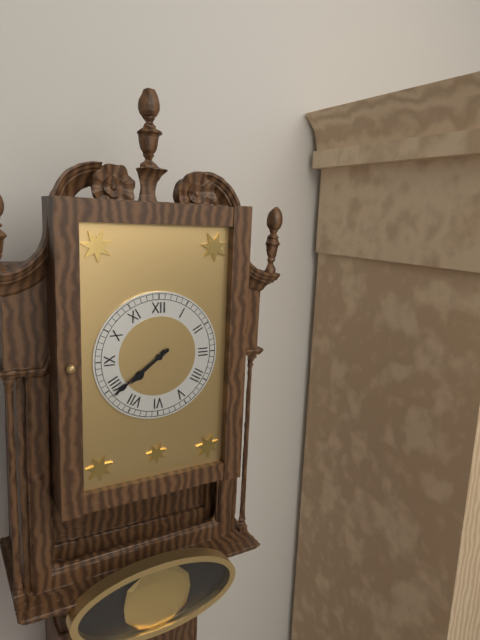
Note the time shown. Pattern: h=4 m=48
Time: h=7 m=39
